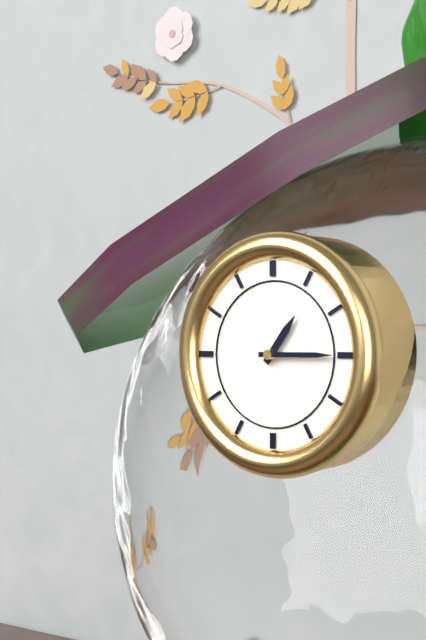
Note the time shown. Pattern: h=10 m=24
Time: h=1 m=15
